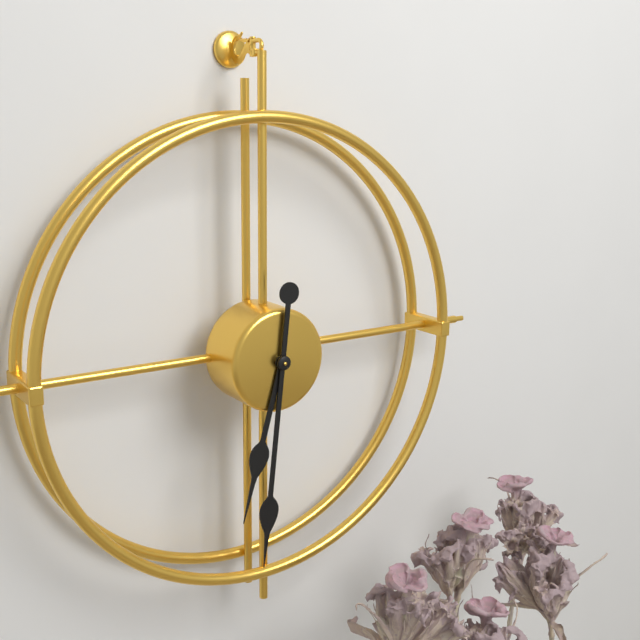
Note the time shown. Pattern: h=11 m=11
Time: h=6 m=31
